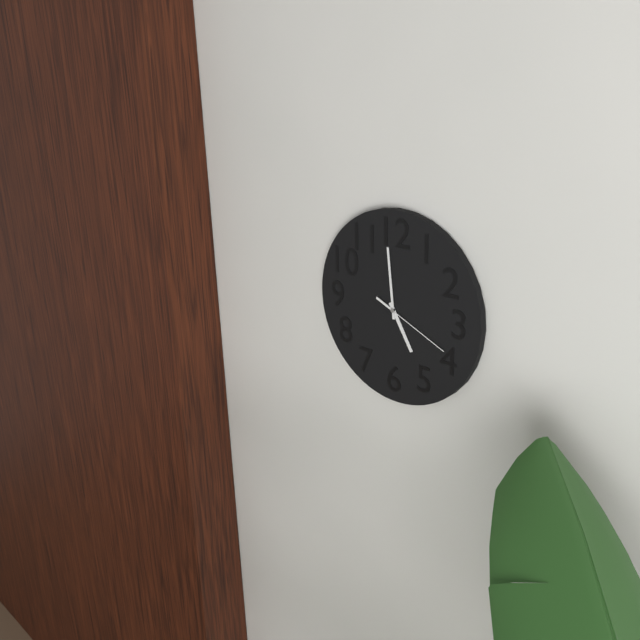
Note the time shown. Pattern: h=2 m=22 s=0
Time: h=4 m=59 s=19
